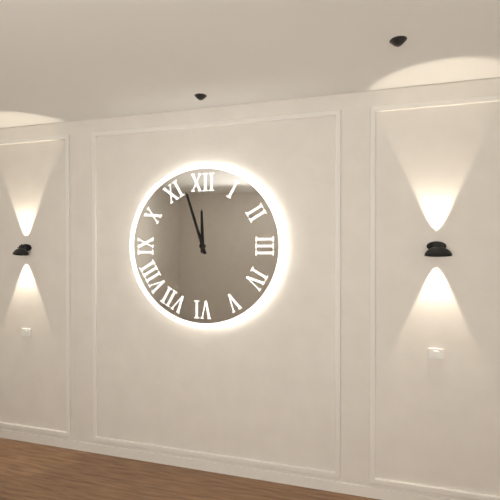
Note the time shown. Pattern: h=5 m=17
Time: h=11 m=57
